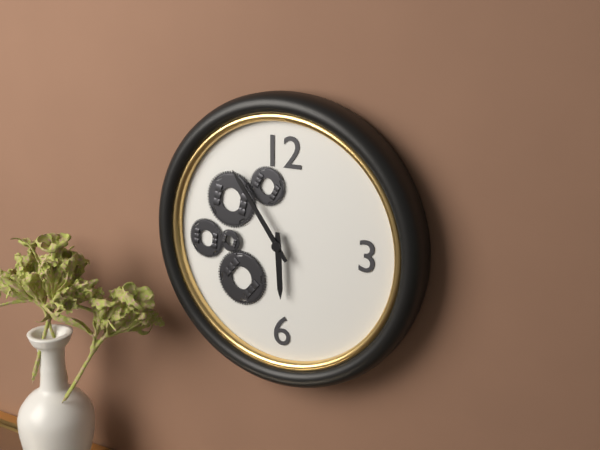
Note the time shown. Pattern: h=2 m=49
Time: h=5 m=54
